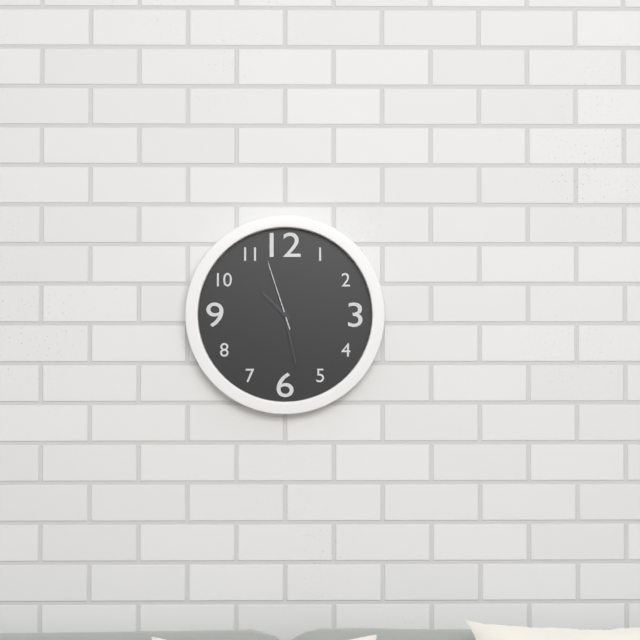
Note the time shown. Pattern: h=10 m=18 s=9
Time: h=10 m=28 s=57
